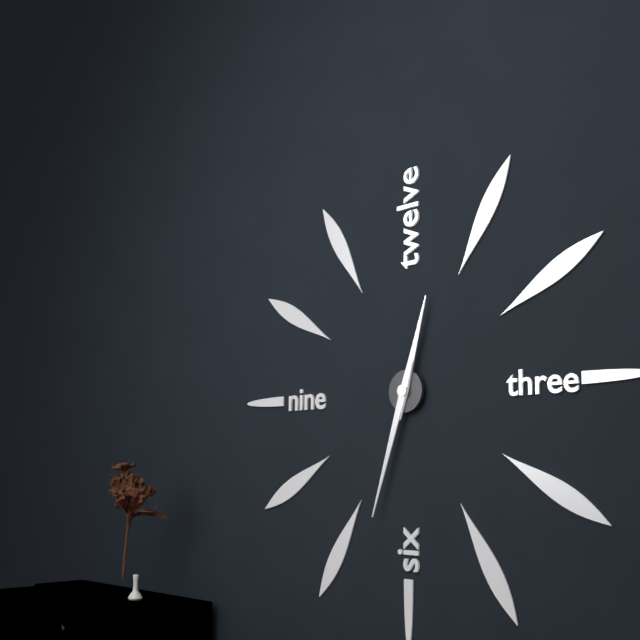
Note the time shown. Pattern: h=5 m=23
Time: h=12 m=33
